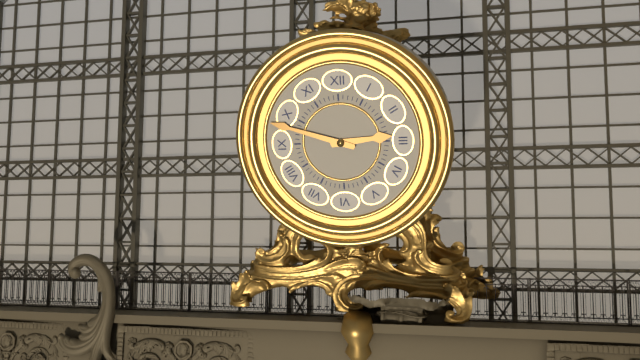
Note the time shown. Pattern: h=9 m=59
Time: h=2 m=48
